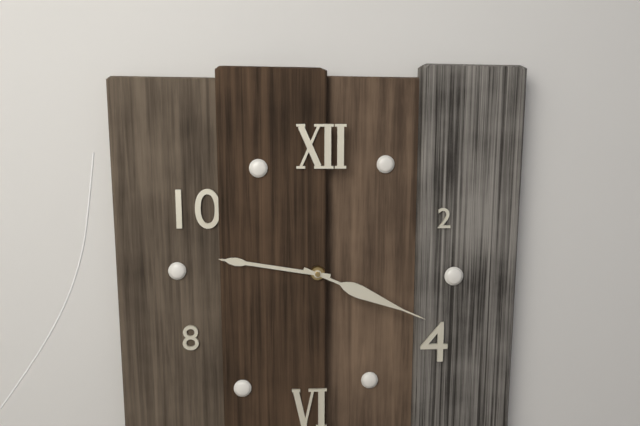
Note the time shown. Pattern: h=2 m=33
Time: h=9 m=19
